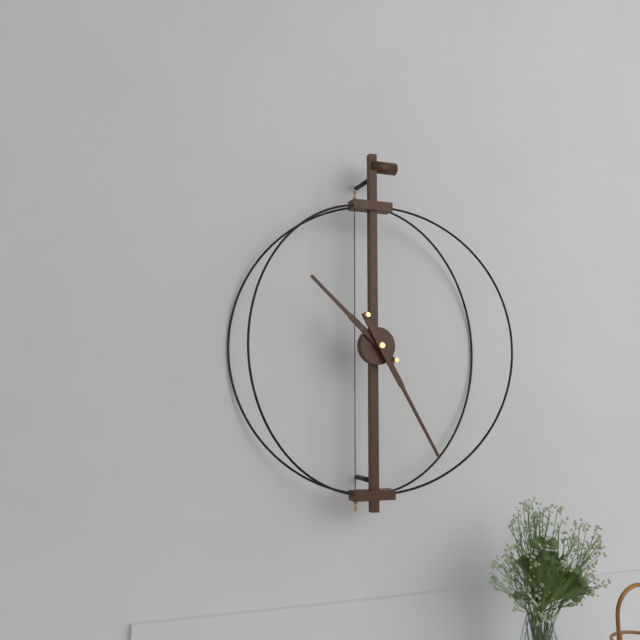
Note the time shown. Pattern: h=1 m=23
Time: h=10 m=25
